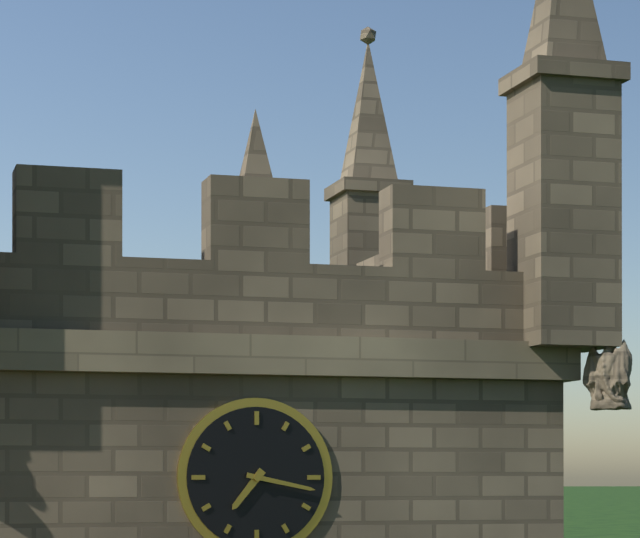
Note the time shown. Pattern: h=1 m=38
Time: h=7 m=17
